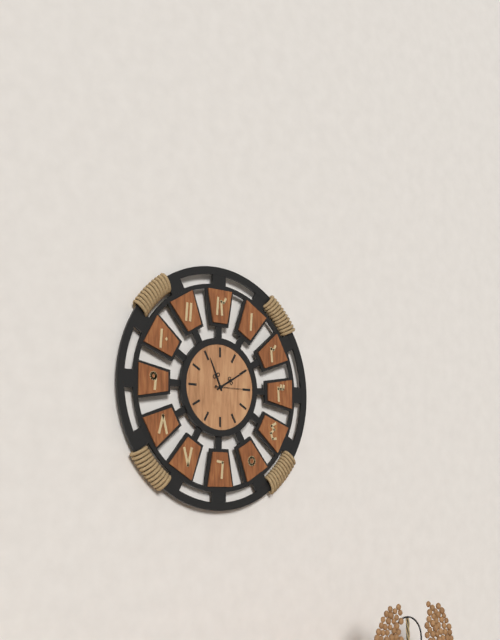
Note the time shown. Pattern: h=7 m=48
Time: h=11 m=10
